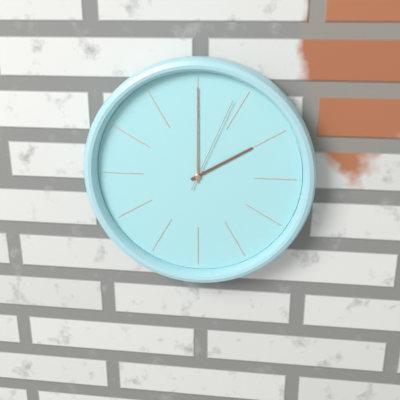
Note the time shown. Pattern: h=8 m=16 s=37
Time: h=2 m=0 s=4
